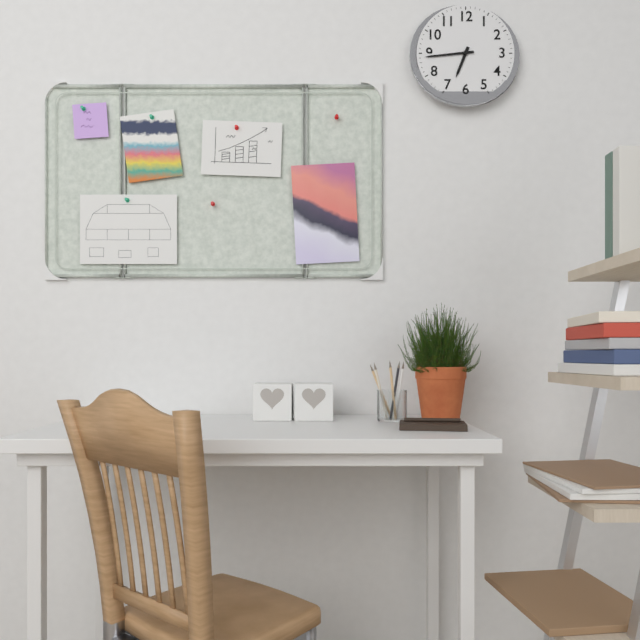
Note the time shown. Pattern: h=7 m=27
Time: h=6 m=44
